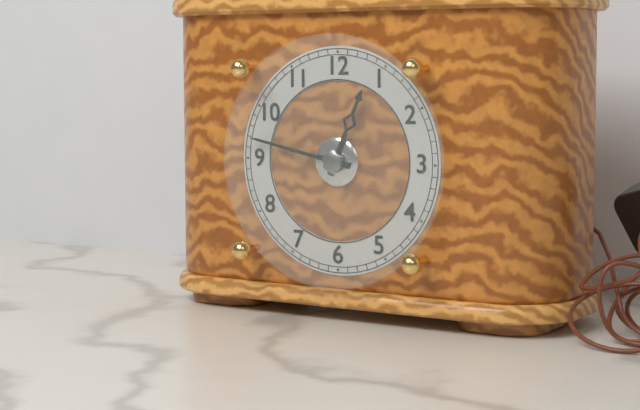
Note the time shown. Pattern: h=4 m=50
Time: h=12 m=47
